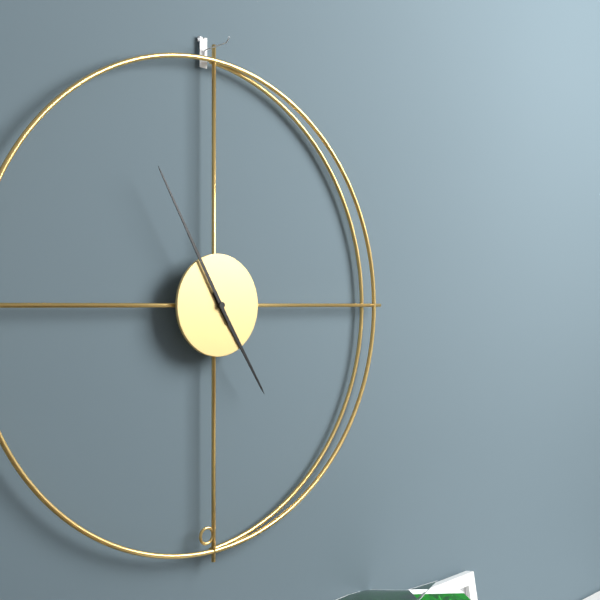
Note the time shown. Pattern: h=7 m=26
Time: h=4 m=55
